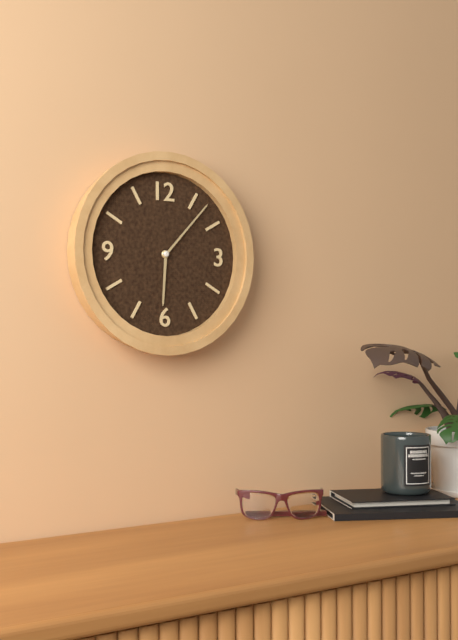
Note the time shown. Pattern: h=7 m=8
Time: h=6 m=7
